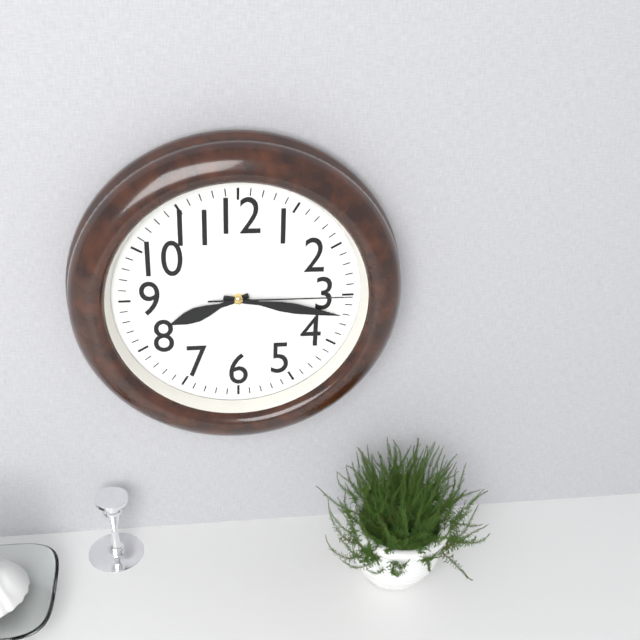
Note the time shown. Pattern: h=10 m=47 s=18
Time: h=8 m=17 s=15
